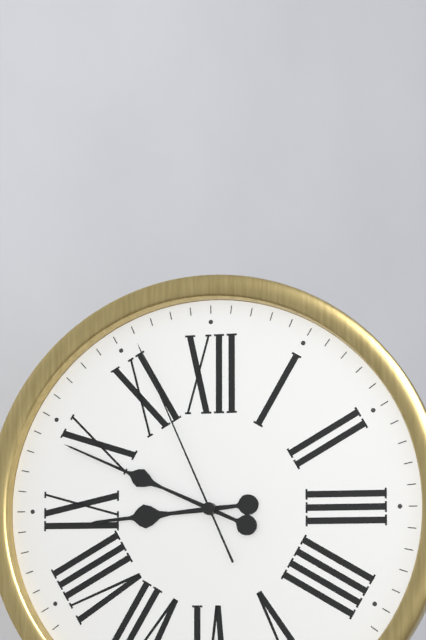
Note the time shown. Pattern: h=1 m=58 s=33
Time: h=8 m=49 s=56
